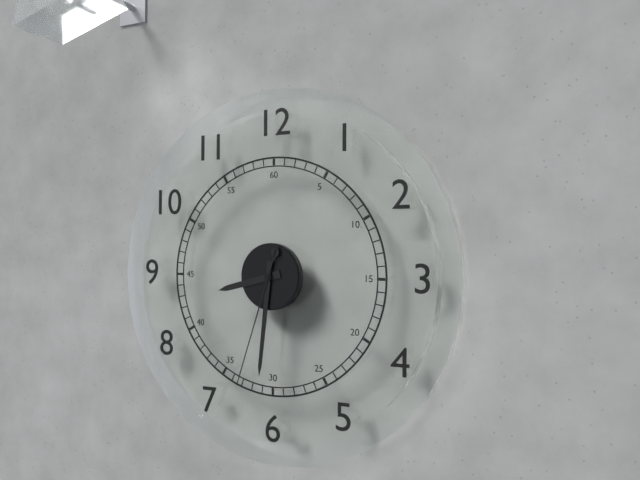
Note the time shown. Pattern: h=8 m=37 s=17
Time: h=8 m=31 s=33
